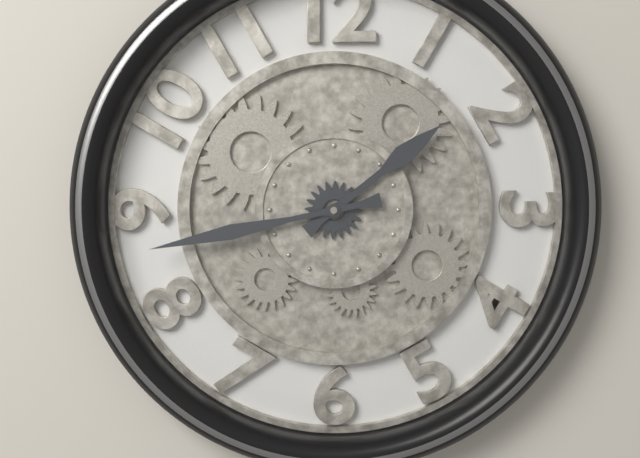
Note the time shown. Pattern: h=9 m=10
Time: h=1 m=43
